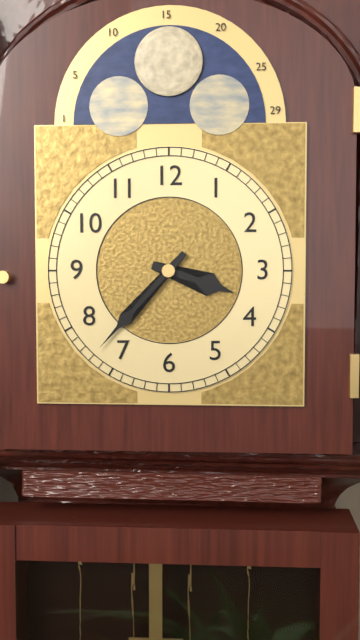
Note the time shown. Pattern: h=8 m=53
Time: h=3 m=37
